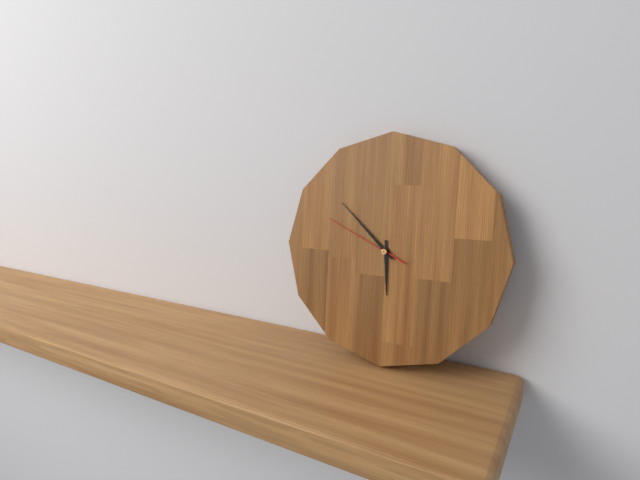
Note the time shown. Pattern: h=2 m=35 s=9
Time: h=5 m=52 s=49
